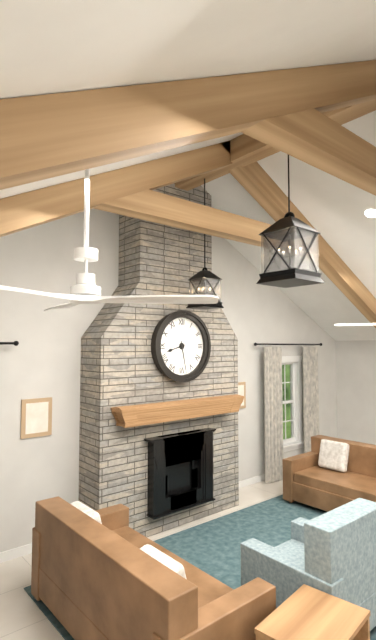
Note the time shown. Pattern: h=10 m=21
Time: h=8 m=28
